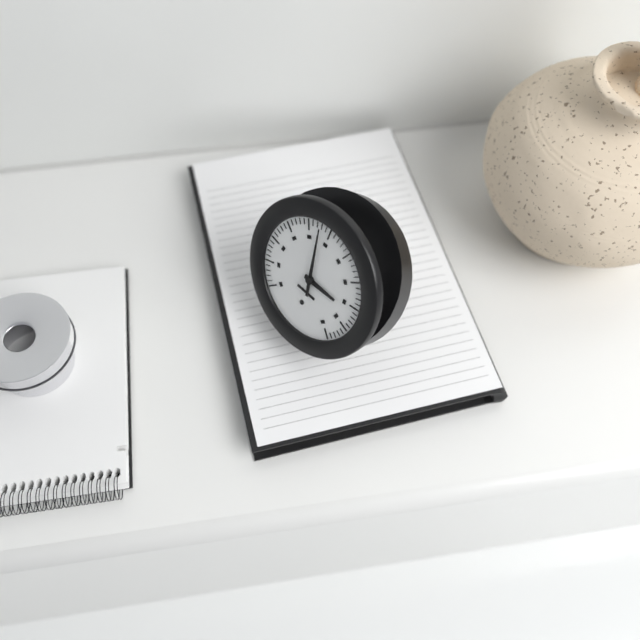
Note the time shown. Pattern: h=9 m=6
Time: h=2 m=58
